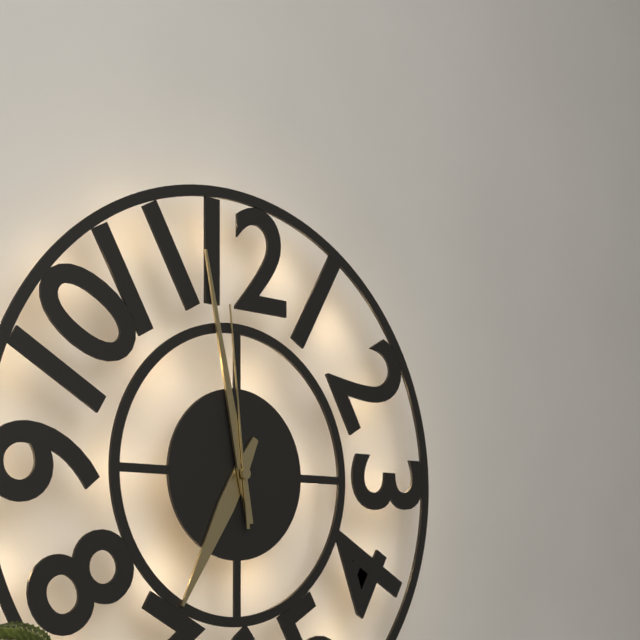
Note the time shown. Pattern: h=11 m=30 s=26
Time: h=6 m=58 s=59
